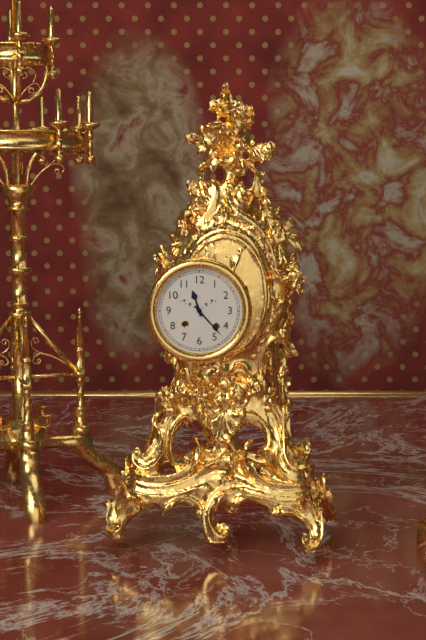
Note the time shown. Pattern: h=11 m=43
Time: h=11 m=23
